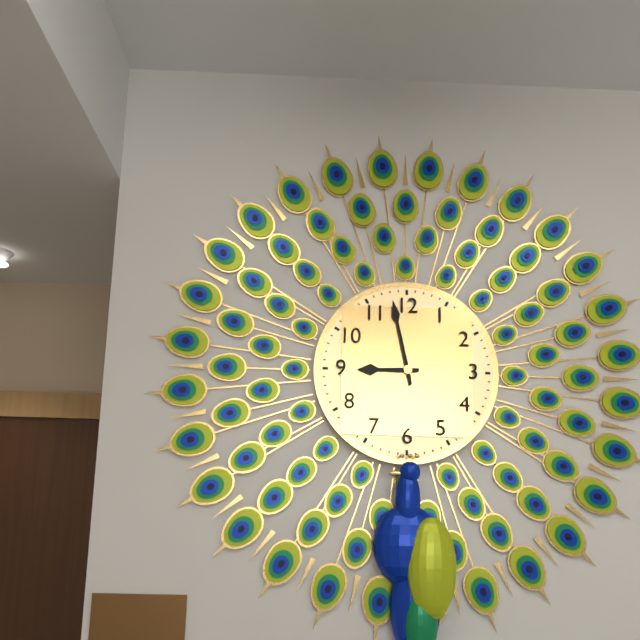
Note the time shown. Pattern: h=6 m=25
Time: h=8 m=58
